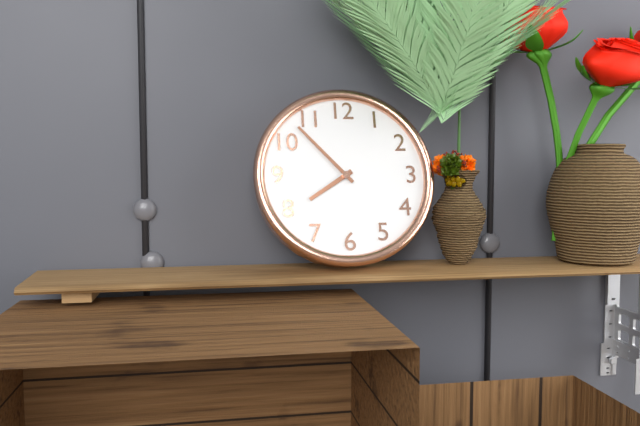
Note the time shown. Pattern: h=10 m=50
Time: h=7 m=53
